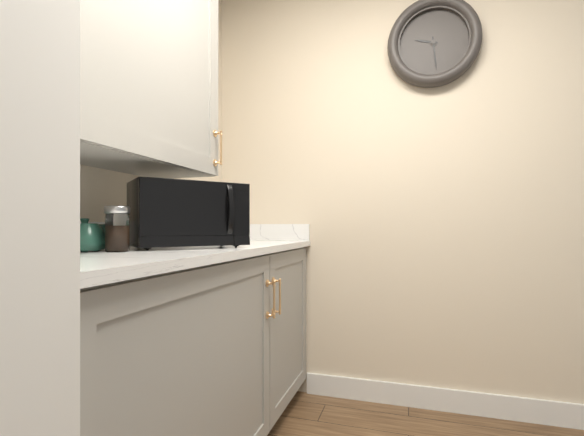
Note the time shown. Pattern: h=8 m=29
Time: h=9 m=29
